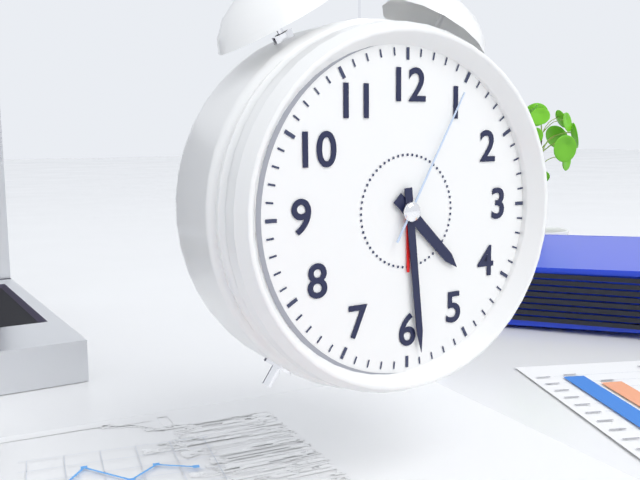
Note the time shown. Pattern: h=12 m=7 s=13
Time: h=4 m=29 s=5
